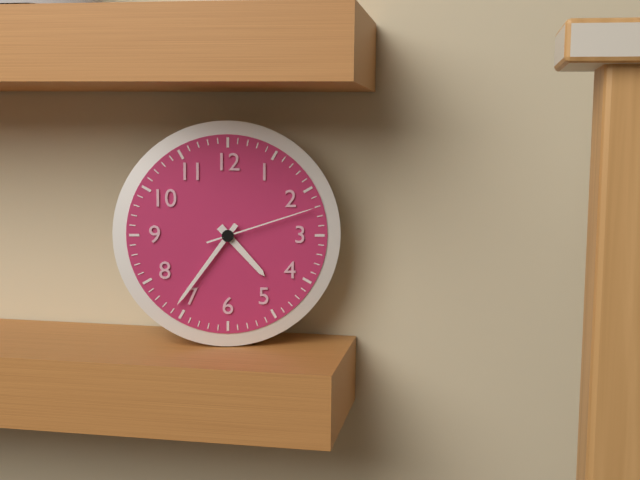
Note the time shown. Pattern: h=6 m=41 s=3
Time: h=4 m=36 s=12
